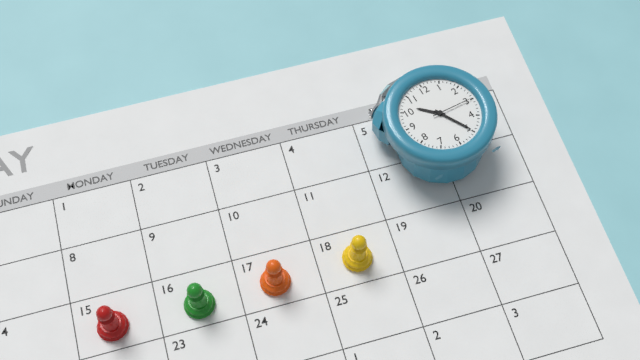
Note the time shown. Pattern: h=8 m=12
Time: h=10 m=25
